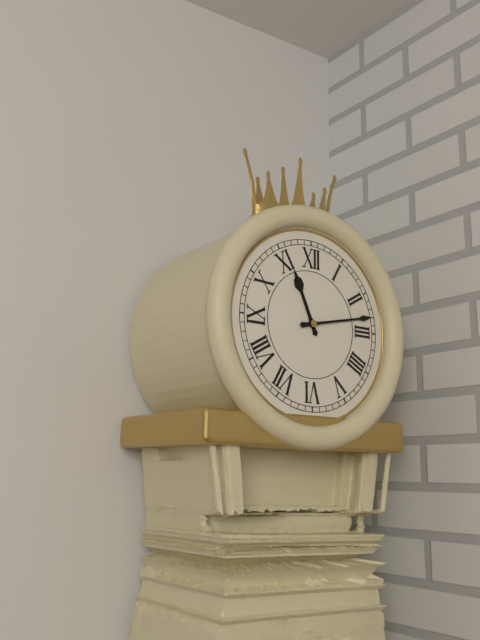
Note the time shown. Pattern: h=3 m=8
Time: h=11 m=13
